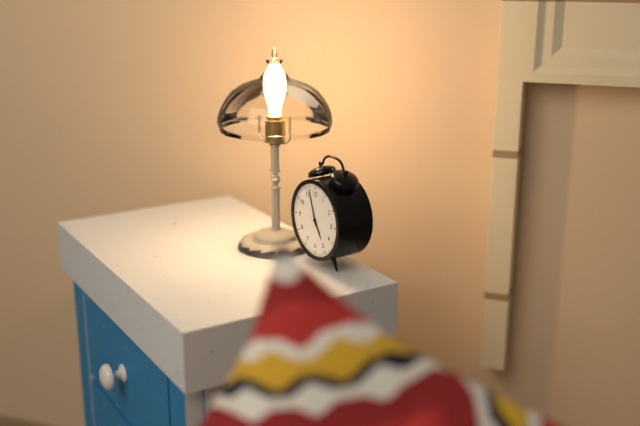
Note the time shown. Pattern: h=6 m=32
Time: h=4 m=57
